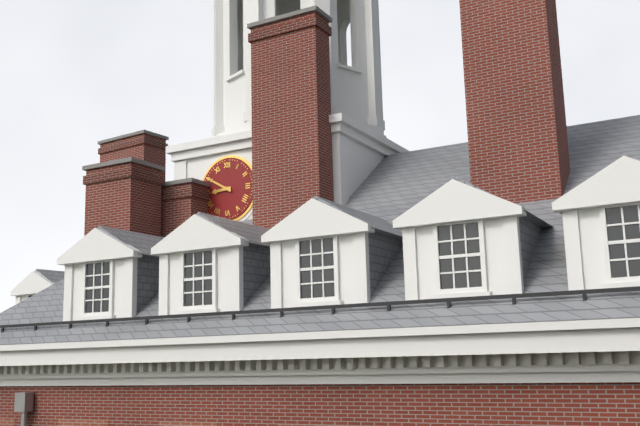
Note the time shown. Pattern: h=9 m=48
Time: h=8 m=50
